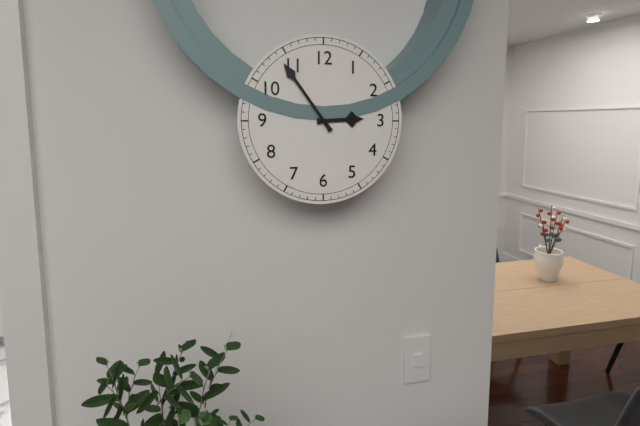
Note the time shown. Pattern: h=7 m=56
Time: h=2 m=54
